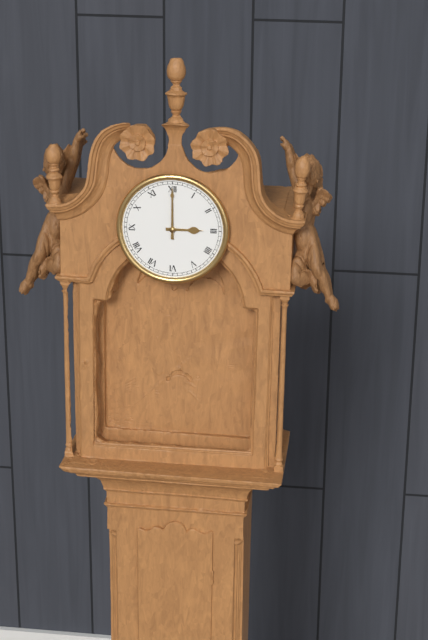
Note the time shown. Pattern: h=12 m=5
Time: h=3 m=0
